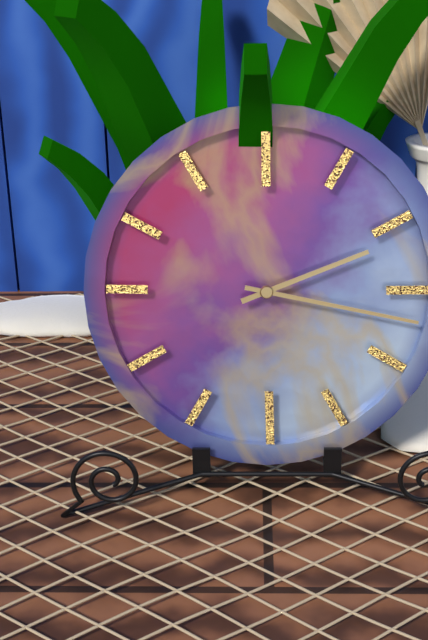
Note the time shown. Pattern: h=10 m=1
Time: h=2 m=17
